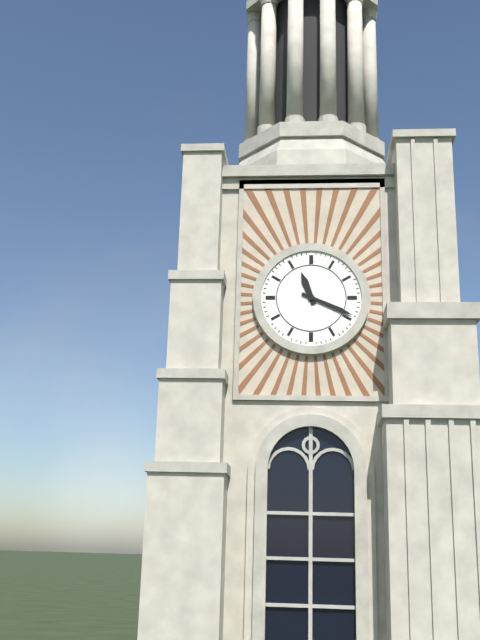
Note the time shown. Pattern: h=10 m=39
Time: h=11 m=19
